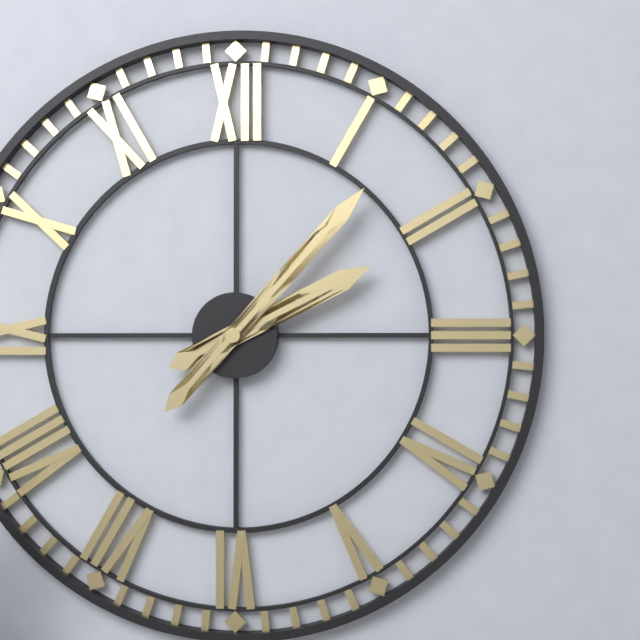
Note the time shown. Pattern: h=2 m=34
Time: h=2 m=7
